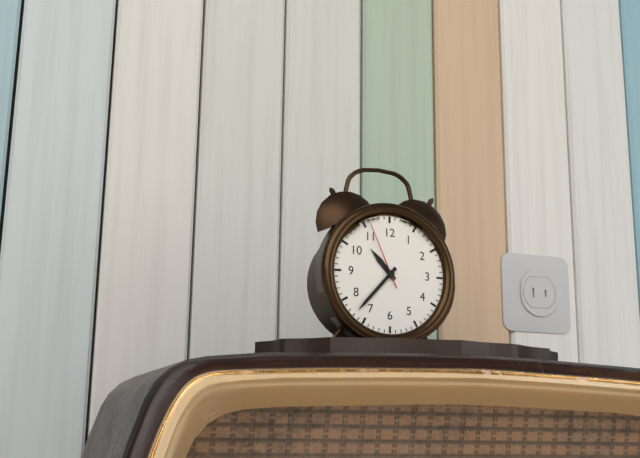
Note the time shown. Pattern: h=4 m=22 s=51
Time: h=10 m=37 s=56
